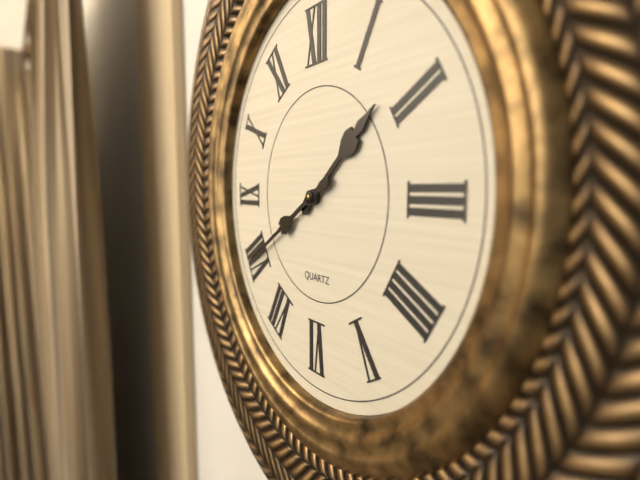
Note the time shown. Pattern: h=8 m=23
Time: h=1 m=40
